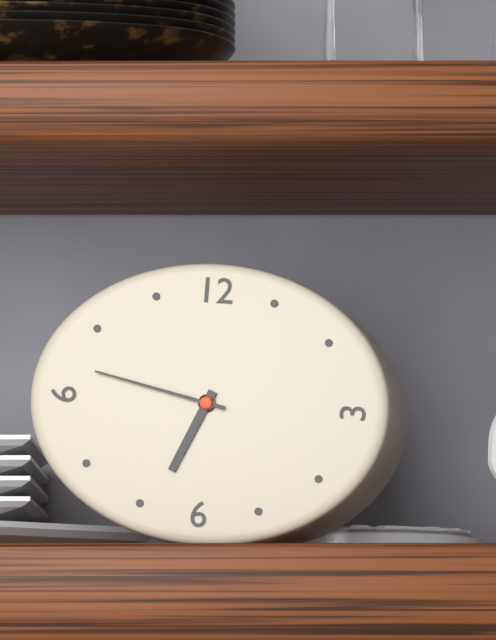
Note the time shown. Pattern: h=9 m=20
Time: h=6 m=47
